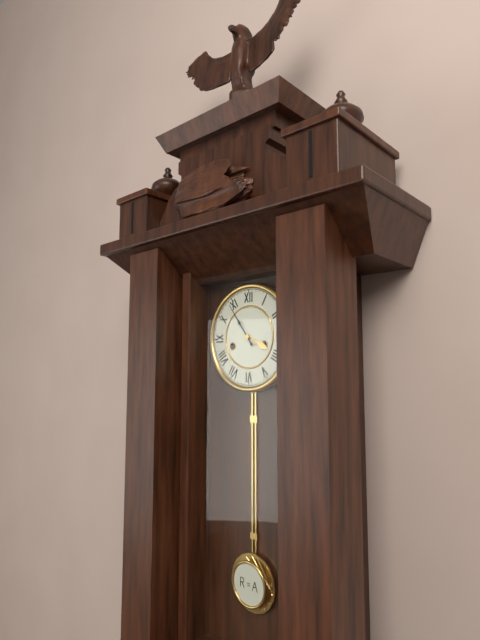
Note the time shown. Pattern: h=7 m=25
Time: h=3 m=54
